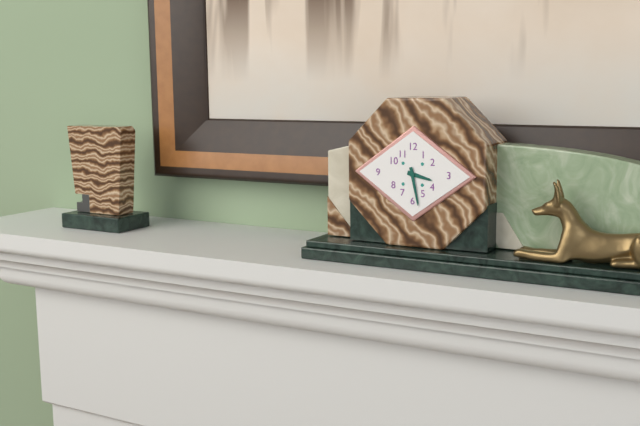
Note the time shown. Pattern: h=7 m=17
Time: h=3 m=28
